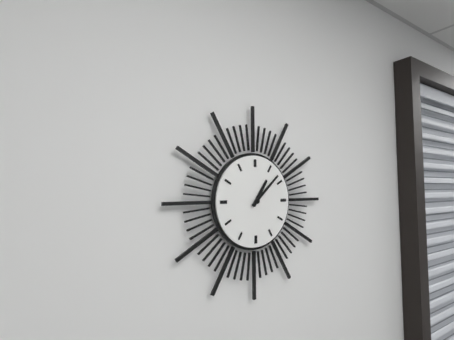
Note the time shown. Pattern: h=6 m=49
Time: h=1 m=8
